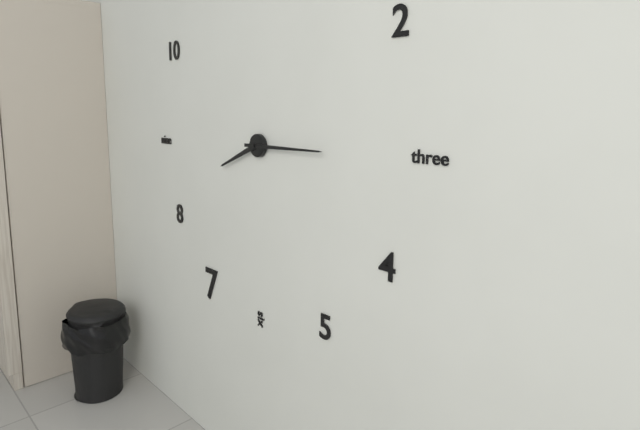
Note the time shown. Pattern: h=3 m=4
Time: h=8 m=15
